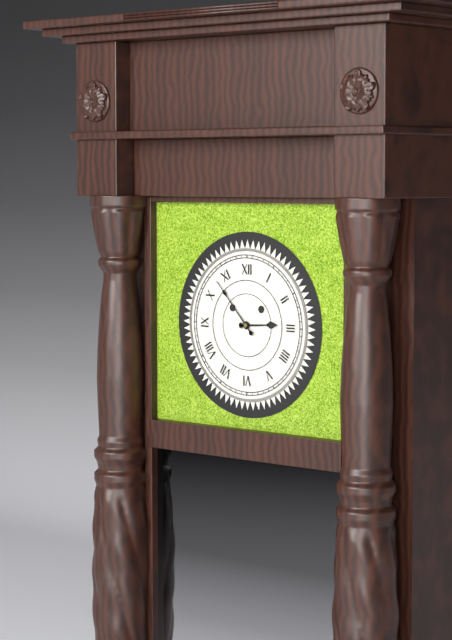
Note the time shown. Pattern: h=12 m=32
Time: h=2 m=53
